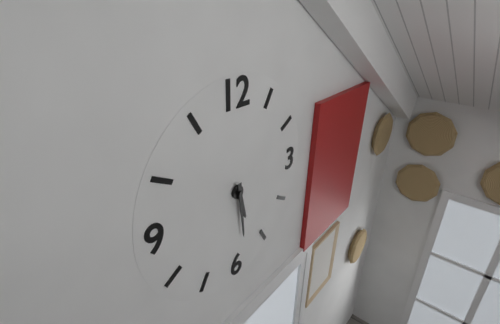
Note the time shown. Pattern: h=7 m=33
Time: h=5 m=29
